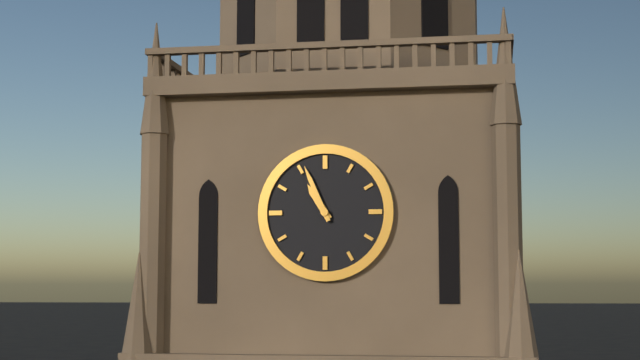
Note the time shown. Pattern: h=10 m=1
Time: h=10 m=56
